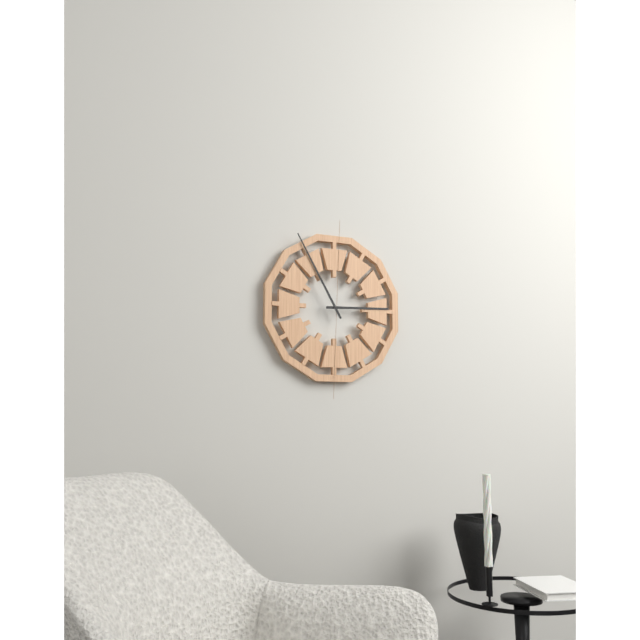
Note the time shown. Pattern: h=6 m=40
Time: h=2 m=55
